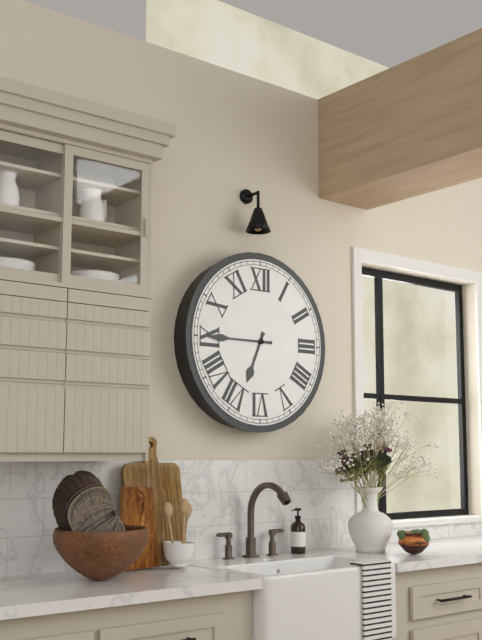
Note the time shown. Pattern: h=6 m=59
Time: h=6 m=45
